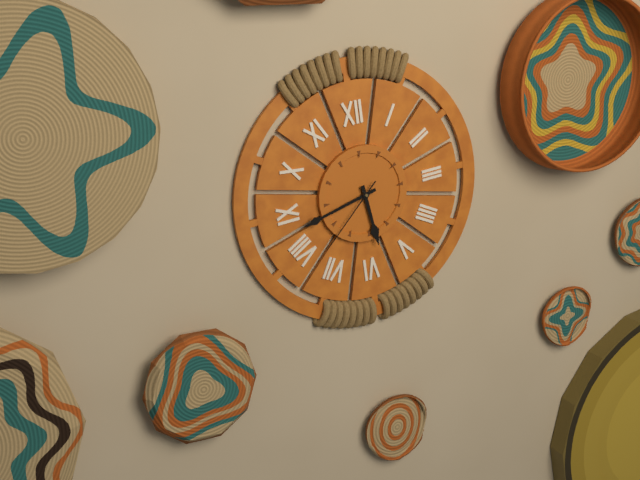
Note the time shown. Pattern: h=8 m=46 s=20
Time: h=5 m=43 s=38
